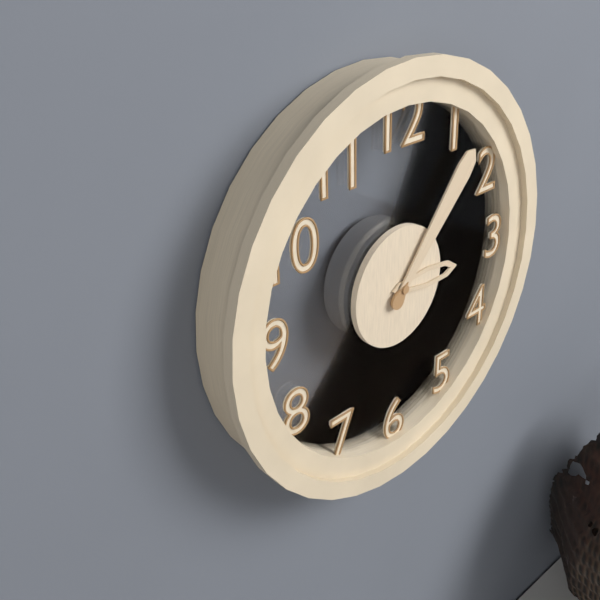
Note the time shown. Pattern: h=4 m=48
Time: h=3 m=7
